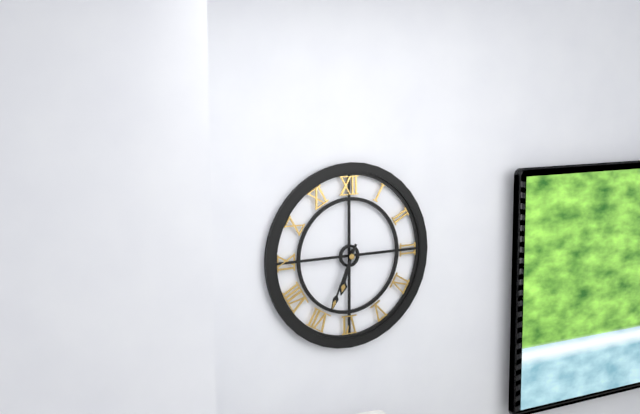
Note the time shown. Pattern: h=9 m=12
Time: h=6 m=34
